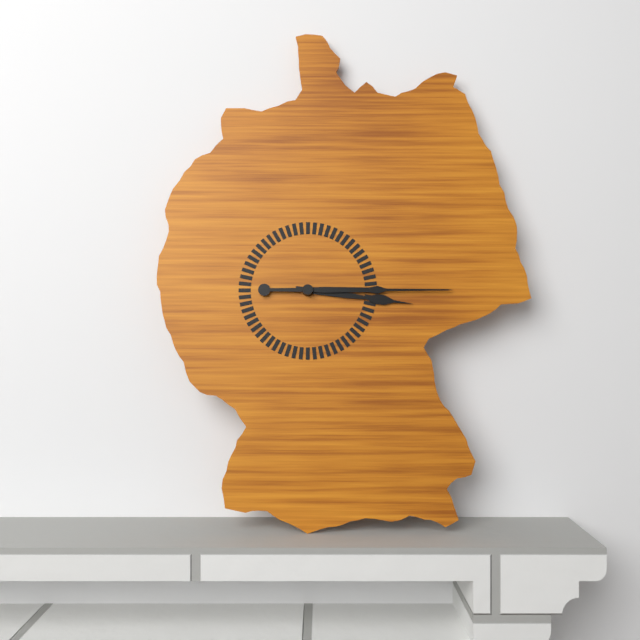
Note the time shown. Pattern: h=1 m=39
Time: h=3 m=15
